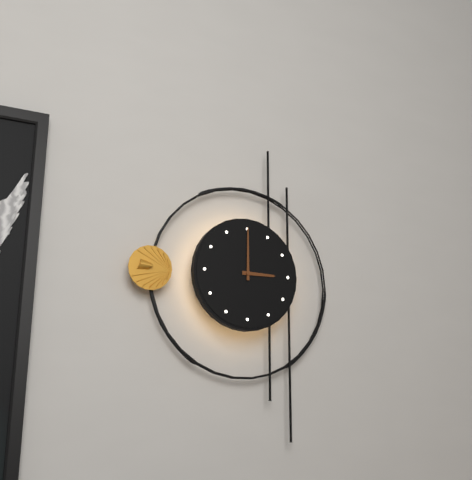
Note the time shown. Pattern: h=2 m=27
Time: h=3 m=0
